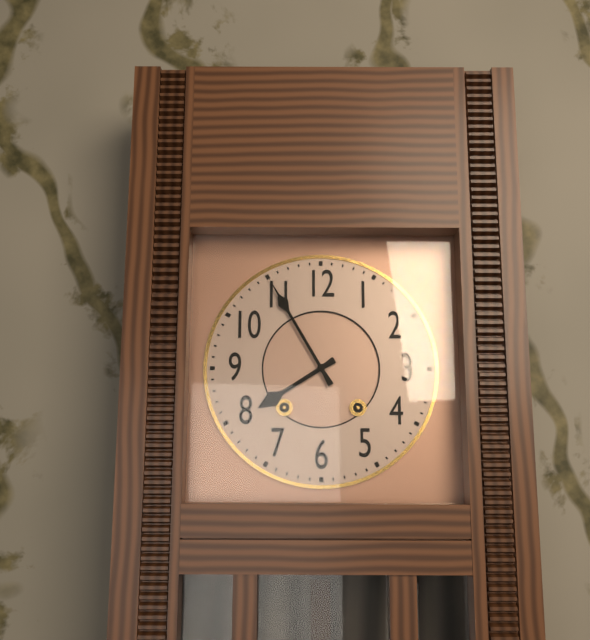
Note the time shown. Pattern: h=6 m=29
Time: h=7 m=55
